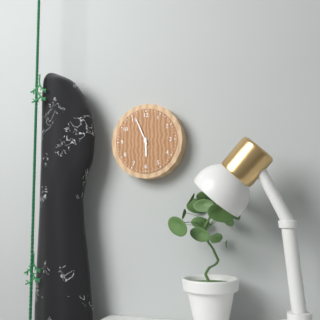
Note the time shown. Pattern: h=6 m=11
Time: h=5 m=56
